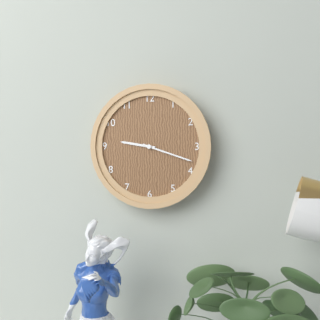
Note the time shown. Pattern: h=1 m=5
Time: h=9 m=18
